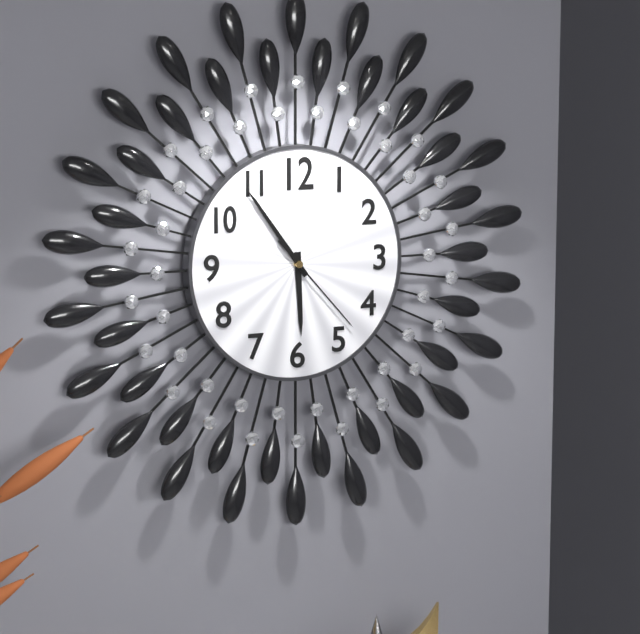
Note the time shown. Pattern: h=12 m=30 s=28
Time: h=5 m=54 s=23
